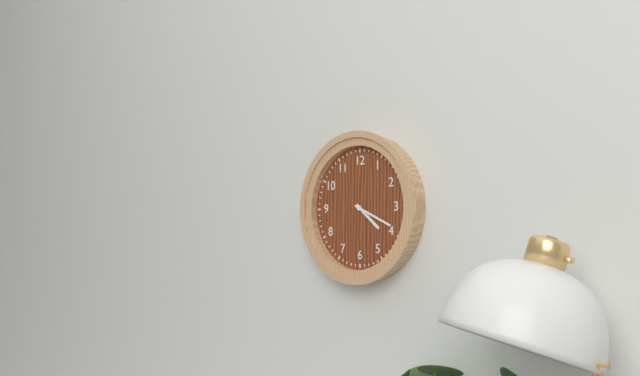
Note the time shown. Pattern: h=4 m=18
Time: h=4 m=19
